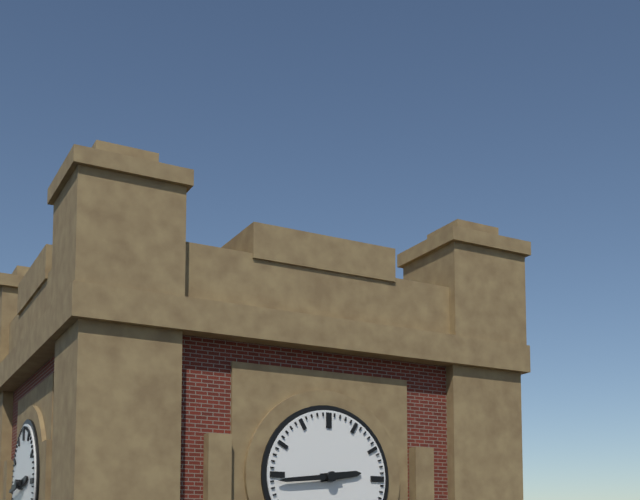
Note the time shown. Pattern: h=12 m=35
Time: h=2 m=44
